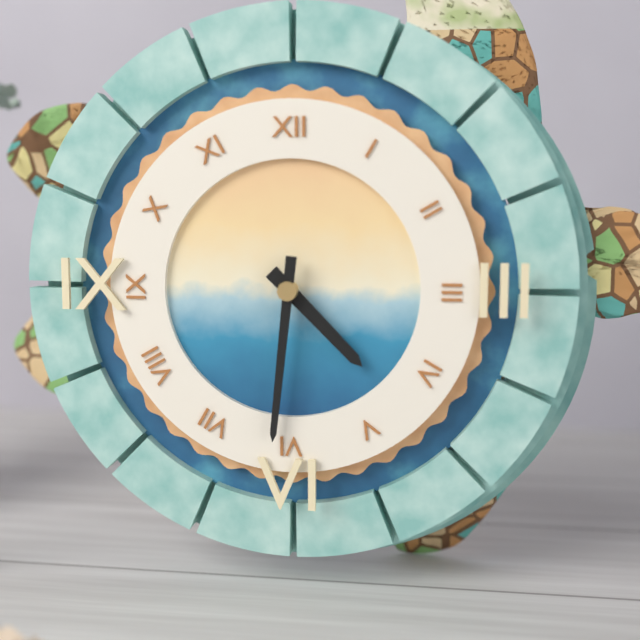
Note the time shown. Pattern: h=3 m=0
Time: h=4 m=31
